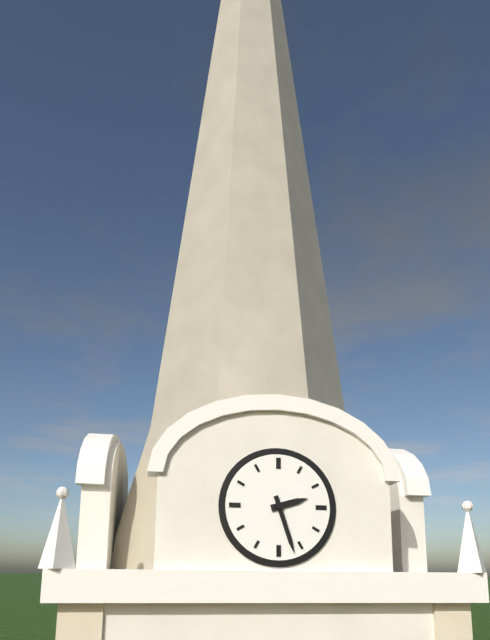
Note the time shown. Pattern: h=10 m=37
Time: h=2 m=27
